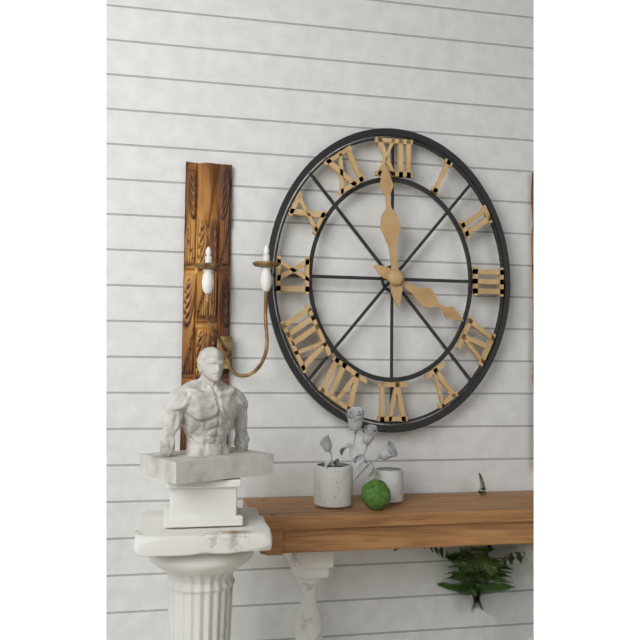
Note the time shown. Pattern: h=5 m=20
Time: h=3 m=59
